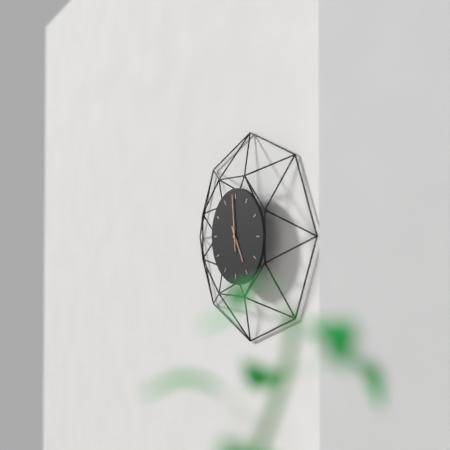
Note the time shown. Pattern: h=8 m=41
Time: h=4 m=59
